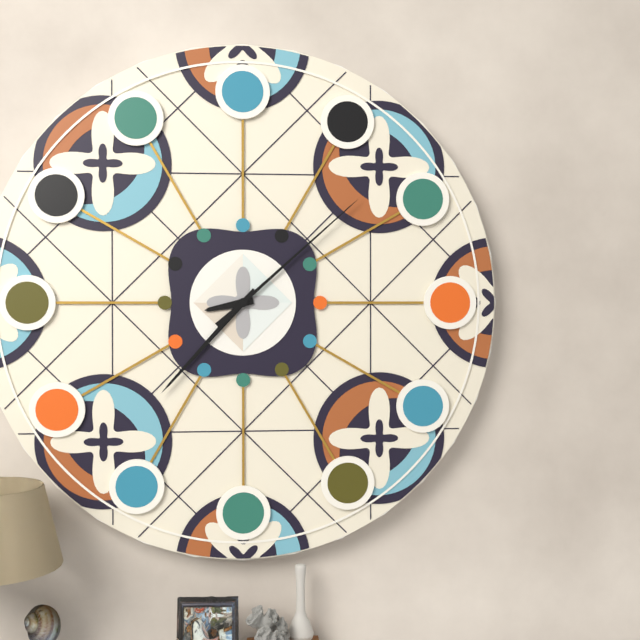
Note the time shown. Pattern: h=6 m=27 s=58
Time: h=8 m=37 s=8
